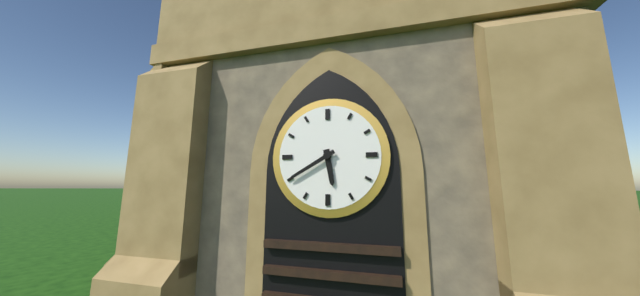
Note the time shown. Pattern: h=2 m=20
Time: h=5 m=40
